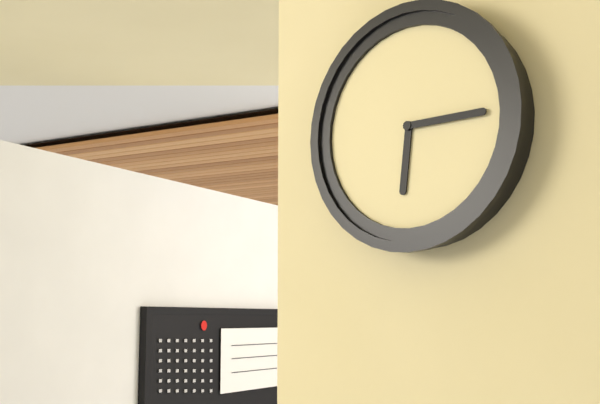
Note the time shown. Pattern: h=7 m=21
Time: h=6 m=15
